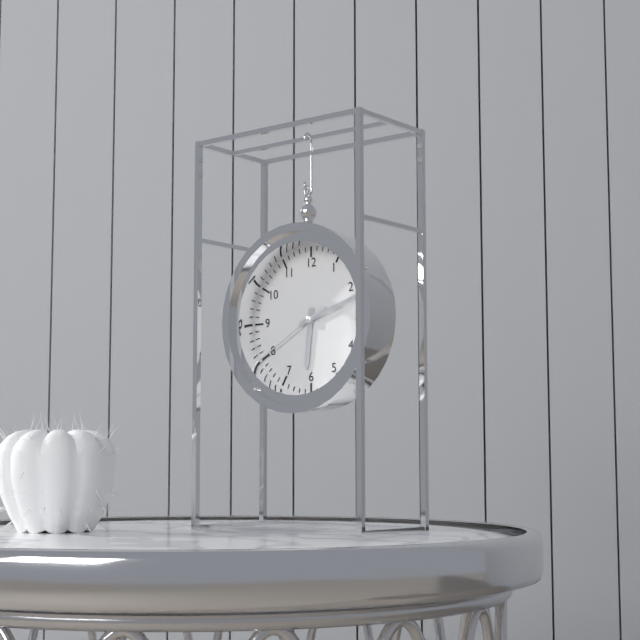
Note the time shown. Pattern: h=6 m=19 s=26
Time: h=6 m=12 s=40
